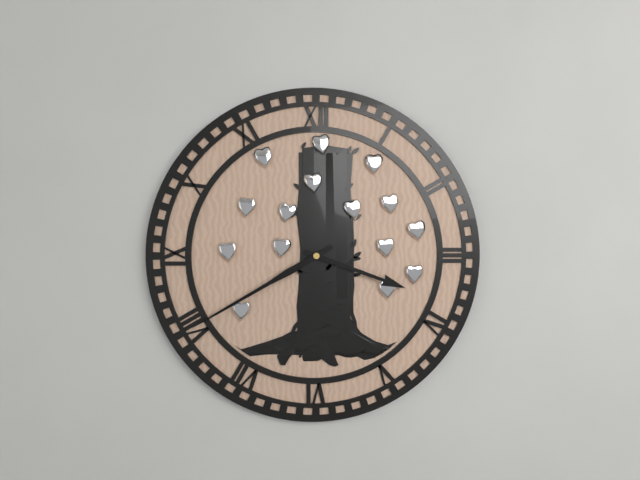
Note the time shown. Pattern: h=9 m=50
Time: h=3 m=40
